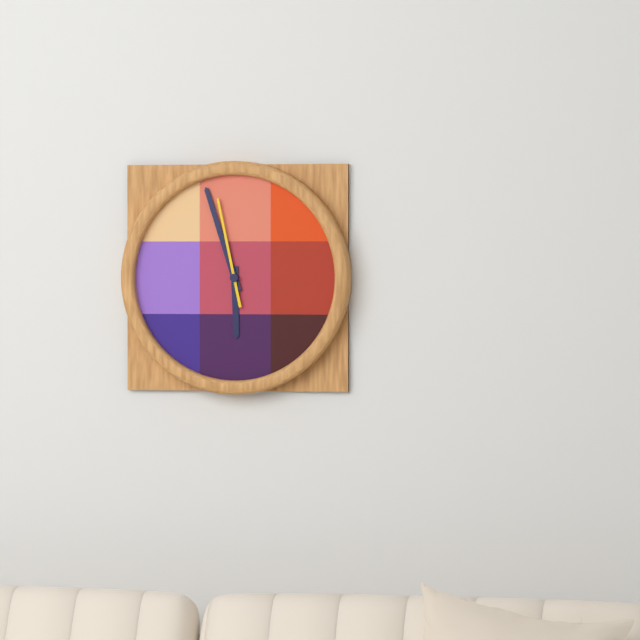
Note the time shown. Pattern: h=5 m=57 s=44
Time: h=5 m=57 s=58
